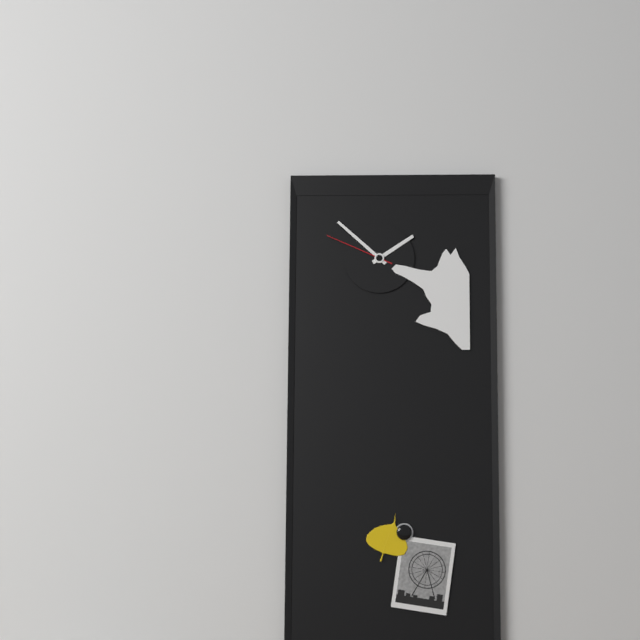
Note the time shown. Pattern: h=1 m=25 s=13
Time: h=1 m=52 s=49
